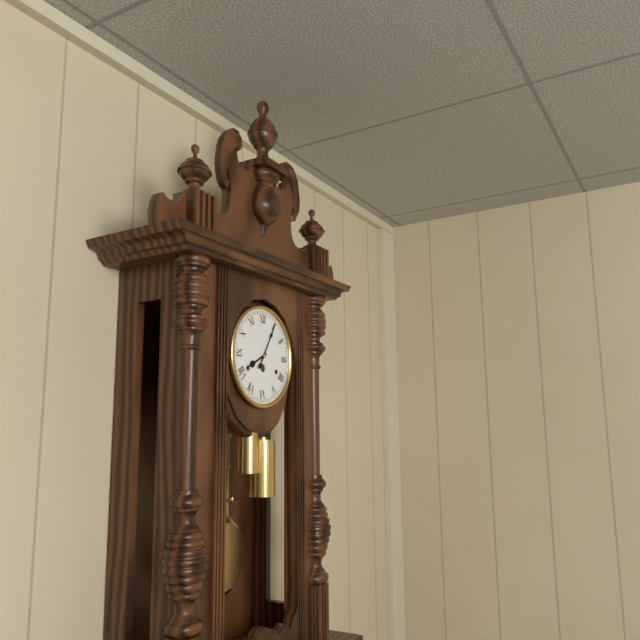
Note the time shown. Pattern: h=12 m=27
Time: h=8 m=5
